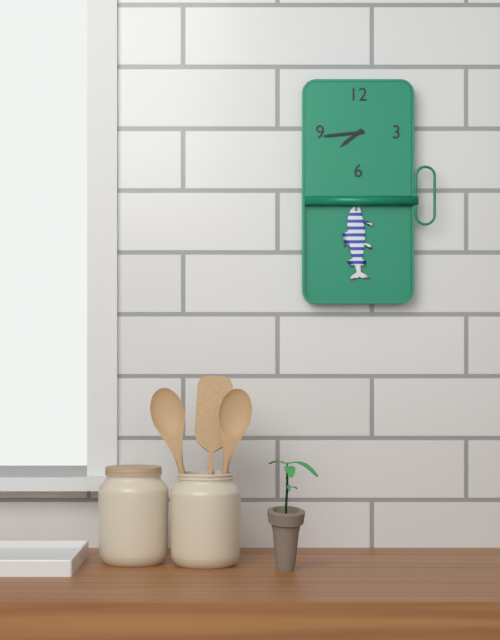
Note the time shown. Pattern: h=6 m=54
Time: h=7 m=44
